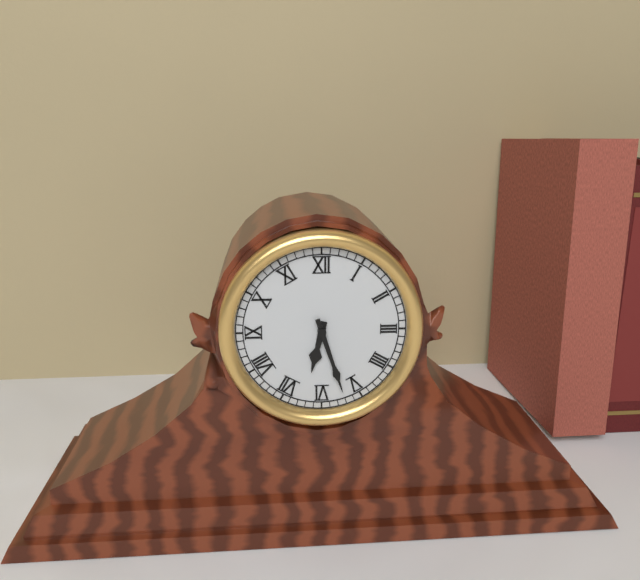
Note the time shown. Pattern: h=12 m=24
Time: h=6 m=27
